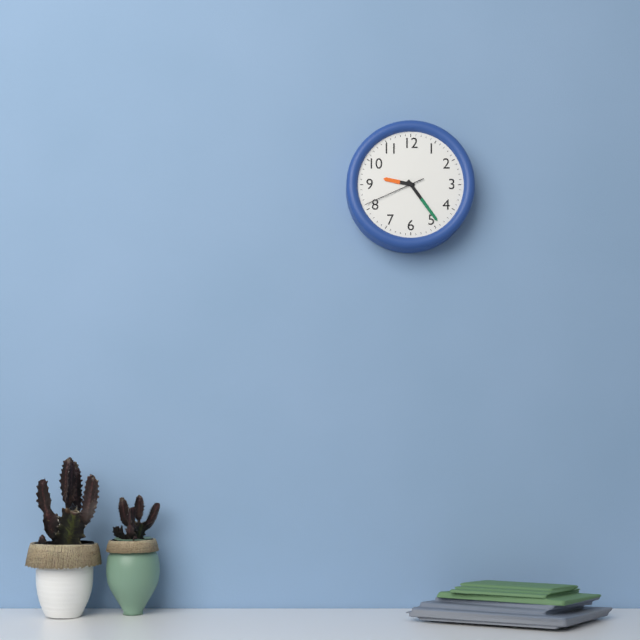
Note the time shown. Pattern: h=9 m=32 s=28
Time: h=9 m=24 s=41
